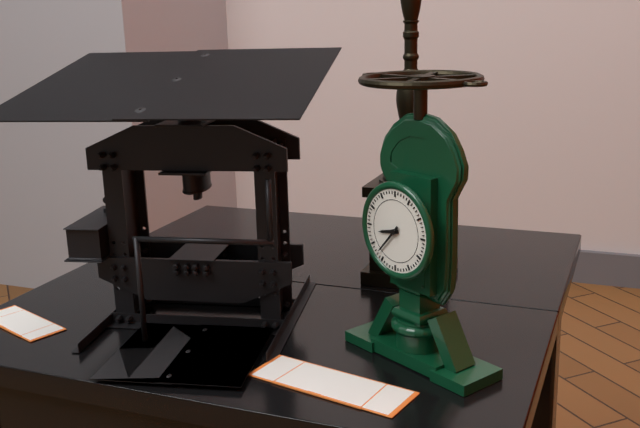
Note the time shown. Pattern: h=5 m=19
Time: h=8 m=37
